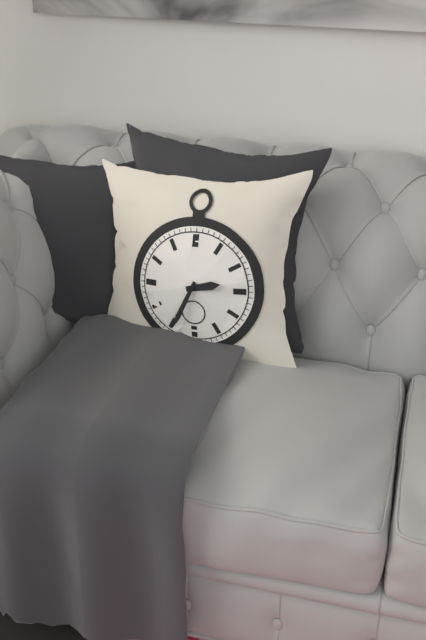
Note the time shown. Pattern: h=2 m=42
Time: h=2 m=34
